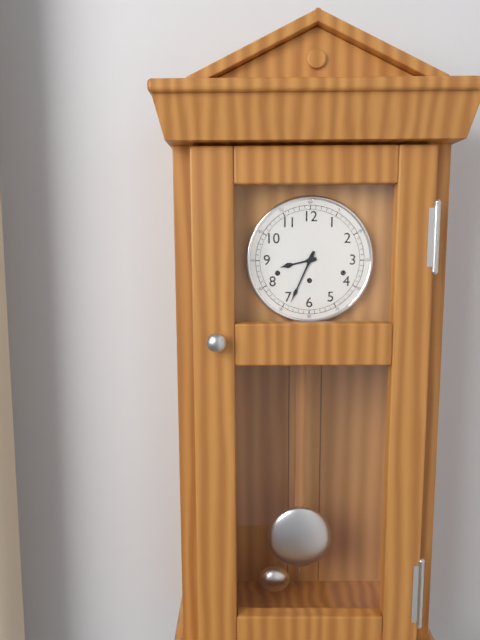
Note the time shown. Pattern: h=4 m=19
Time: h=8 m=34
